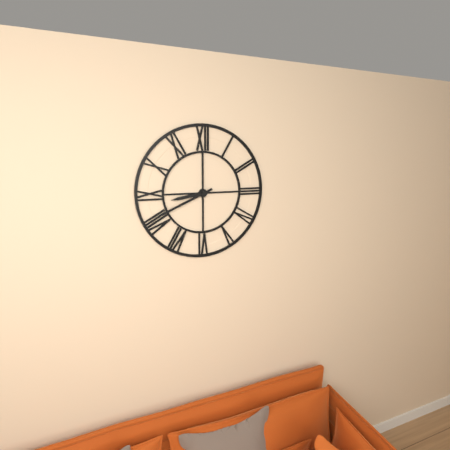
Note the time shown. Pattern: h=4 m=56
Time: h=8 m=41
